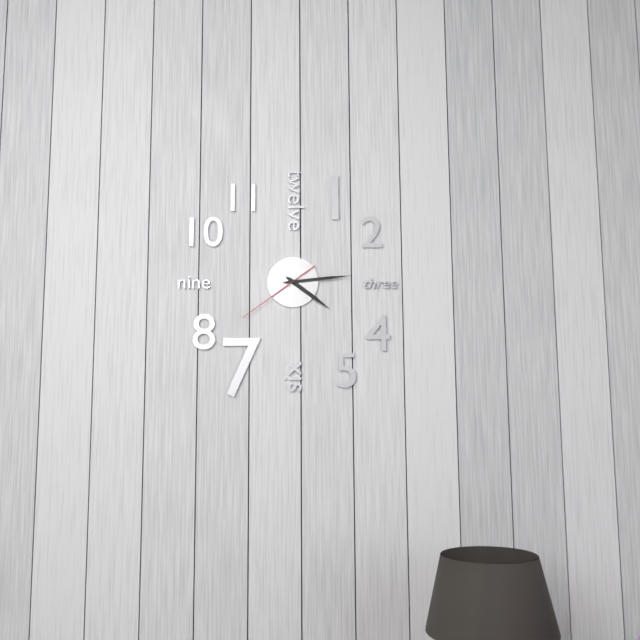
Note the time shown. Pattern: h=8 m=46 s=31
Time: h=4 m=14 s=39
